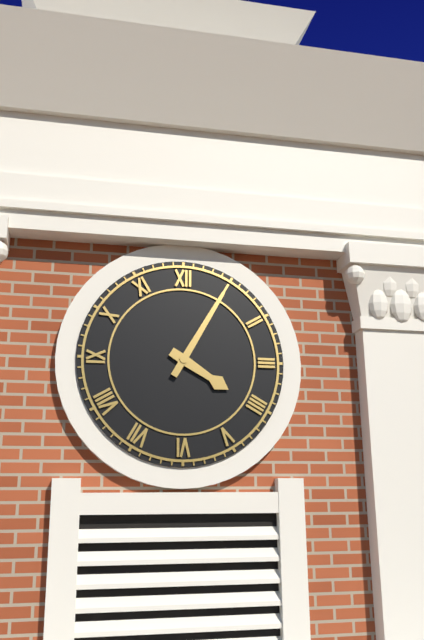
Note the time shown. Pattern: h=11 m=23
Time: h=4 m=5
